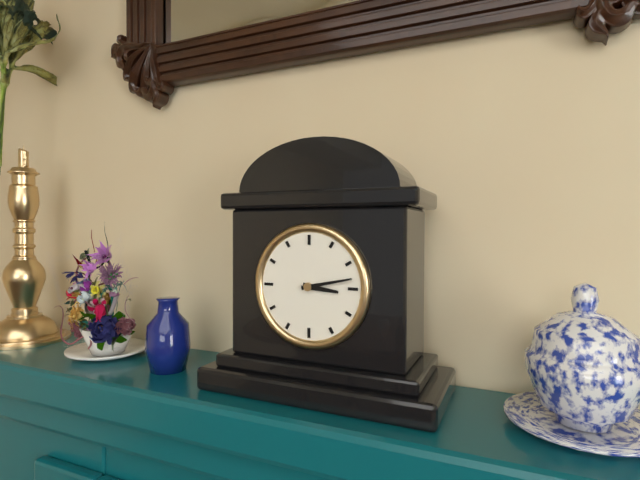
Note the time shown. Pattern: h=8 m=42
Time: h=3 m=13
